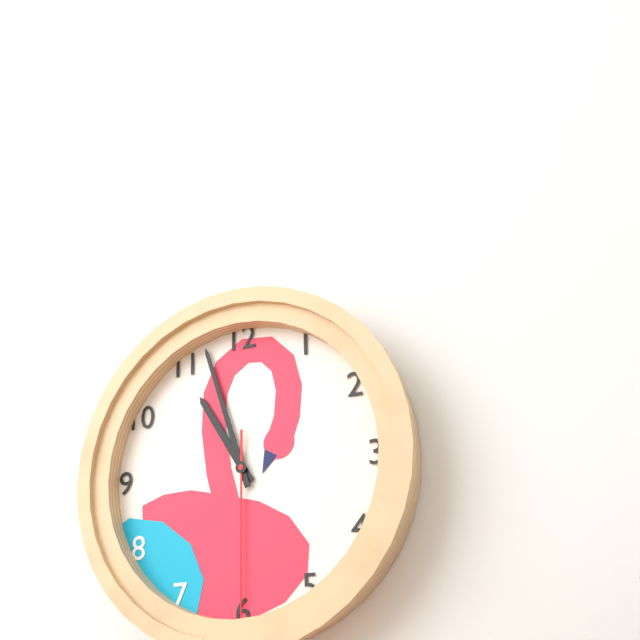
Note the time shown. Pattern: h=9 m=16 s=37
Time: h=10 m=57 s=30
